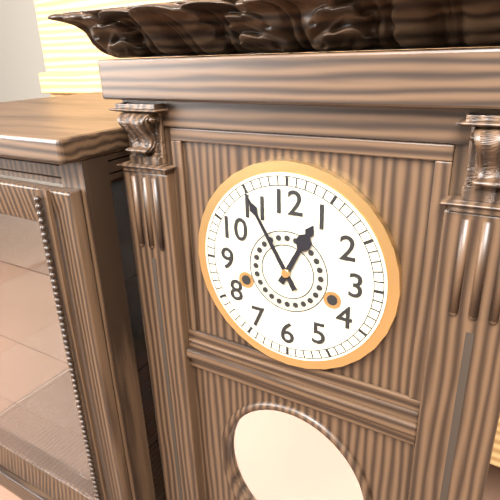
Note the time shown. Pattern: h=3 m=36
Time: h=12 m=55
